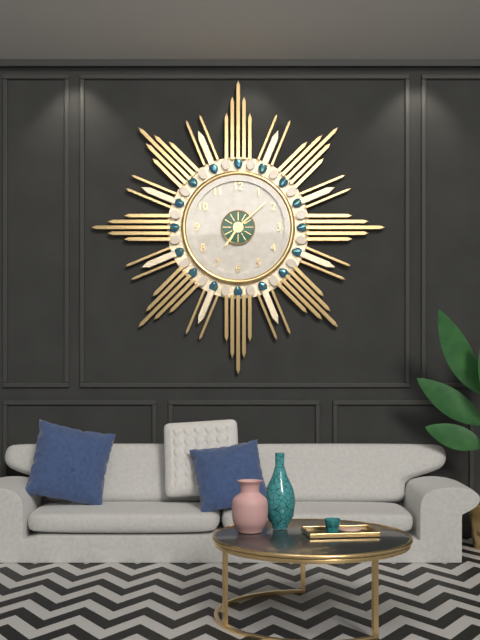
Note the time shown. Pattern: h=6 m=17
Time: h=7 m=8
